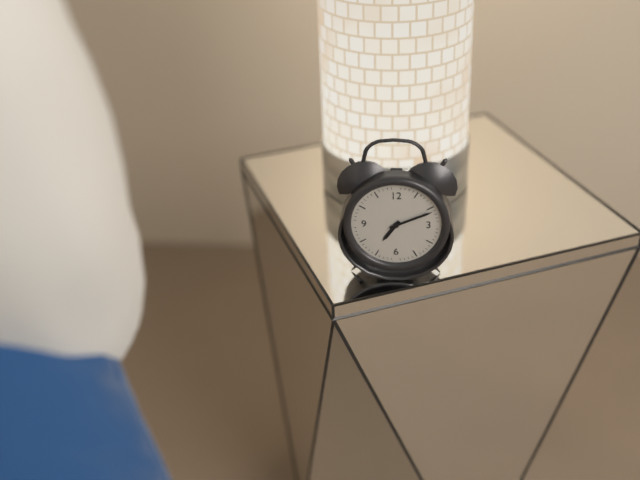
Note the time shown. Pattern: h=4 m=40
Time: h=7 m=11
